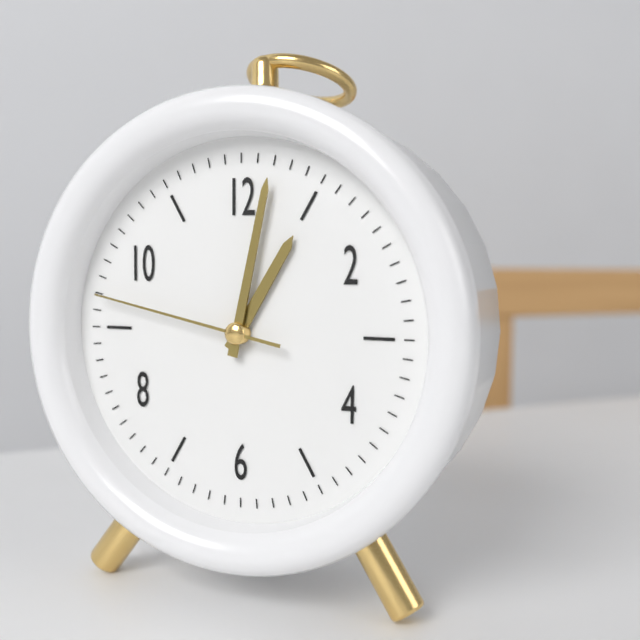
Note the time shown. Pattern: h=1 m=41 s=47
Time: h=1 m=2 s=47
